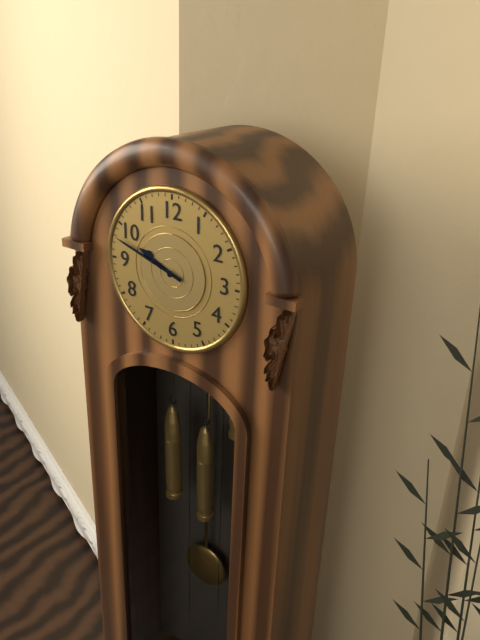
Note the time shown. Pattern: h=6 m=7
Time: h=9 m=48
